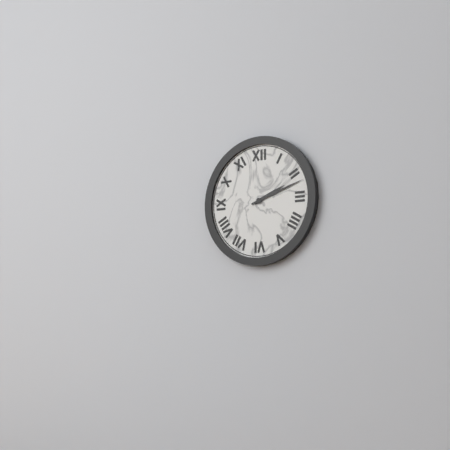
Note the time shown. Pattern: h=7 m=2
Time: h=2 m=12
